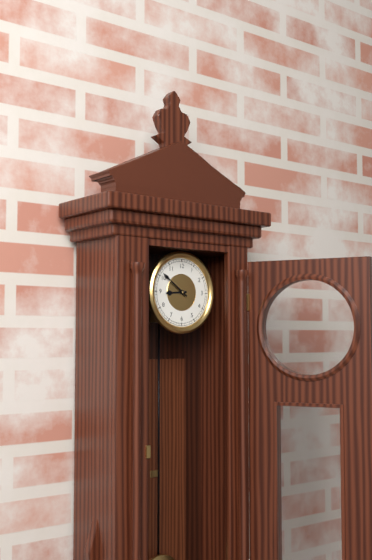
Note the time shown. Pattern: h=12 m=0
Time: h=8 m=51
